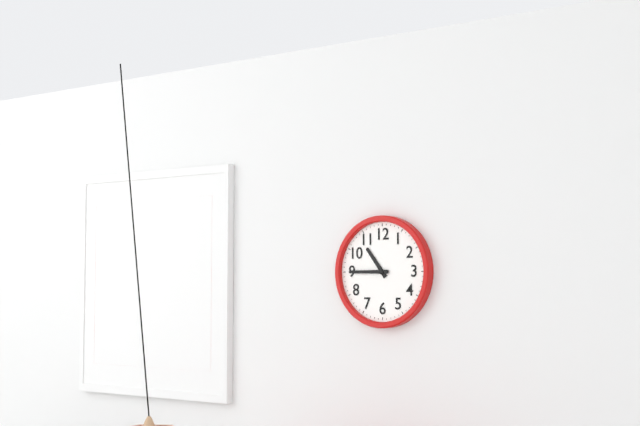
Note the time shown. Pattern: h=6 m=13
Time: h=10 m=45
